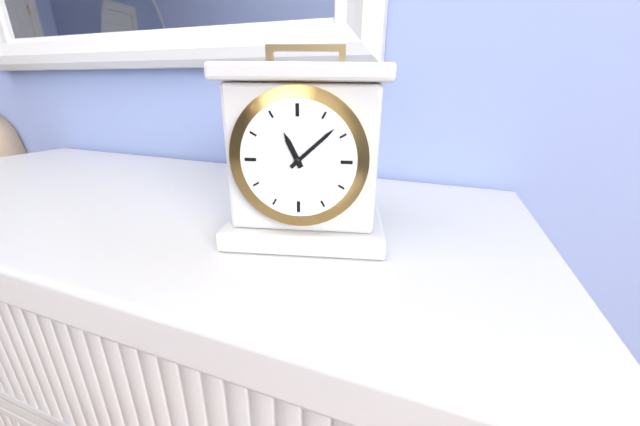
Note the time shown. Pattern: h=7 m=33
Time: h=11 m=8
